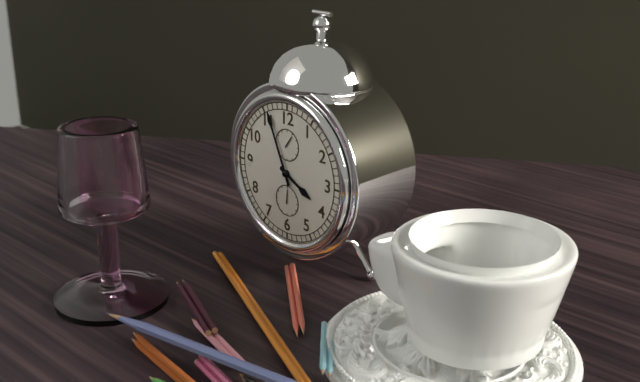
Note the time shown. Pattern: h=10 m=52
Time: h=3 m=56
